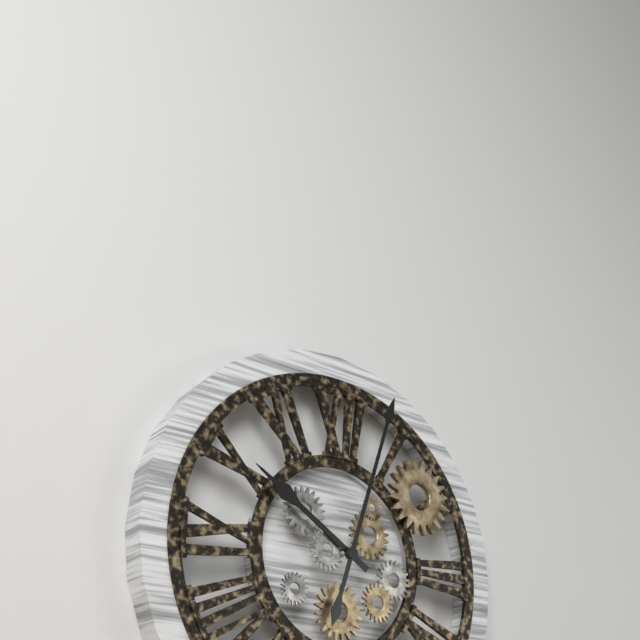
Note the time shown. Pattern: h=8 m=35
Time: h=10 m=3
